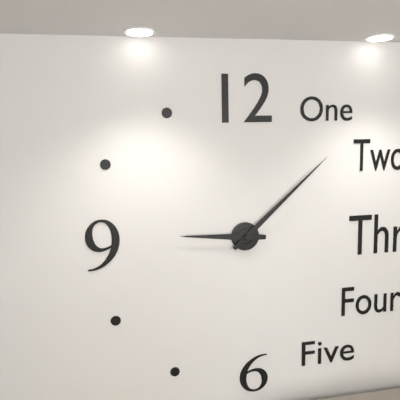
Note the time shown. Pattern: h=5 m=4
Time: h=9 m=8
